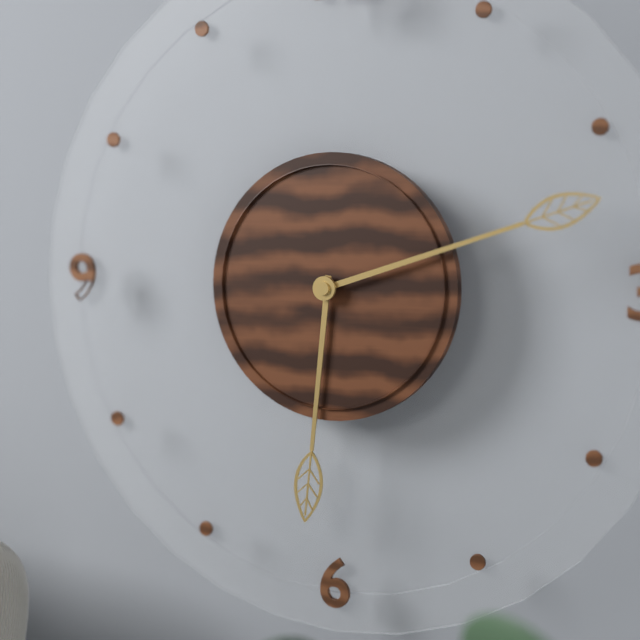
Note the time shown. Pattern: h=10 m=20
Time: h=6 m=12
